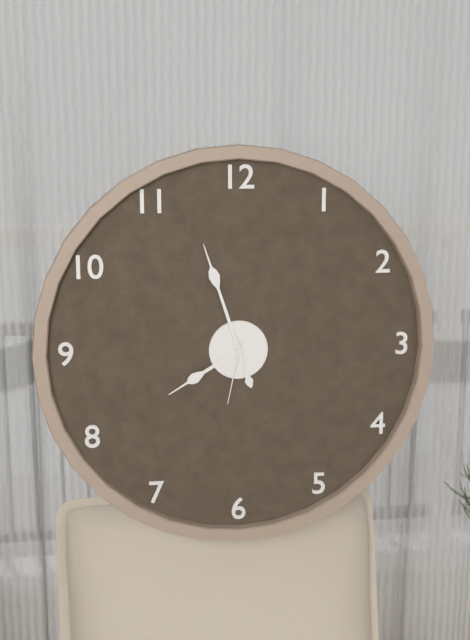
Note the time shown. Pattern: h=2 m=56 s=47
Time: h=7 m=57 s=32
